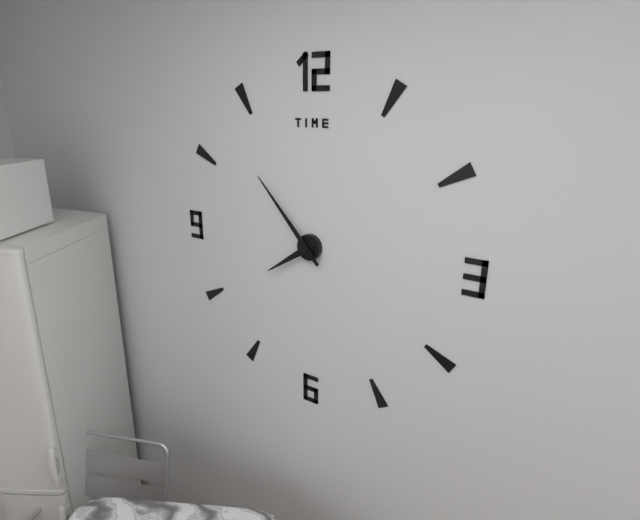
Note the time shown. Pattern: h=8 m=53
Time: h=7 m=53
